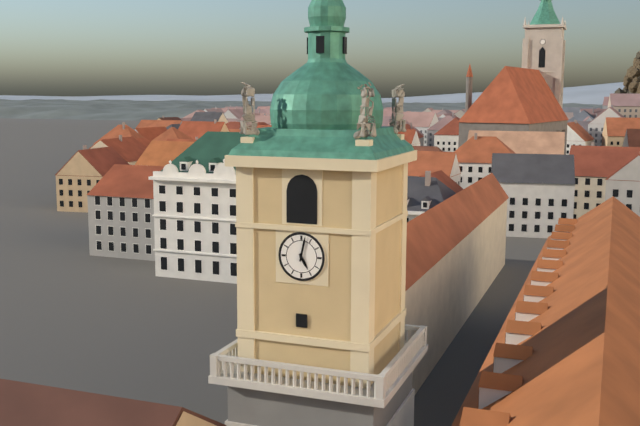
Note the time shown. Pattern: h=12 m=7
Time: h=5 m=2
